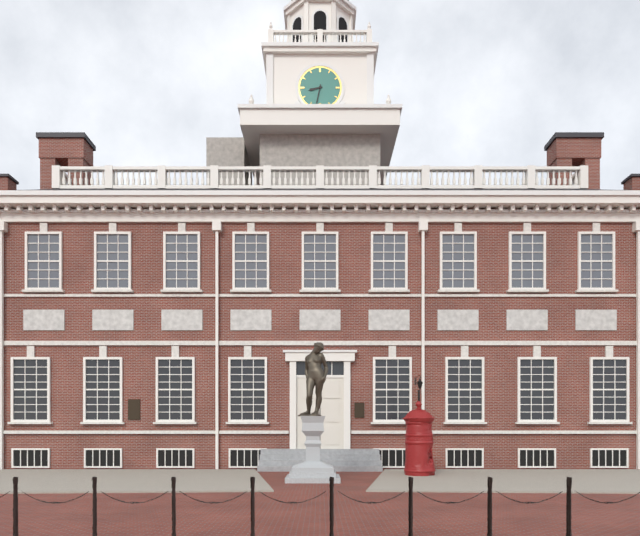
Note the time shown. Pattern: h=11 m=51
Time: h=8 m=32
